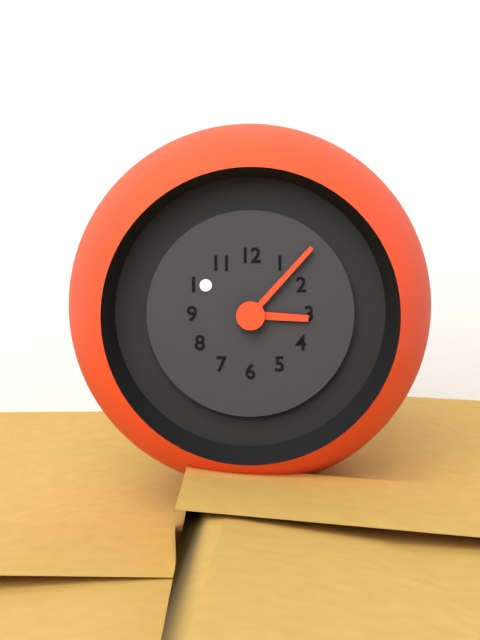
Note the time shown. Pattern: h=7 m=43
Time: h=3 m=7
